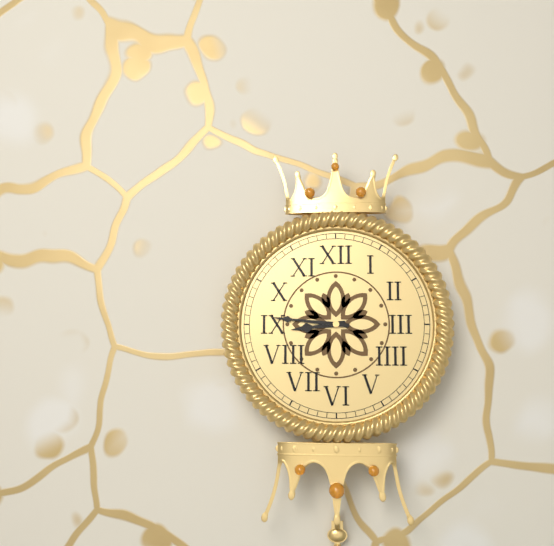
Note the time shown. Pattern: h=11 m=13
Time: h=8 m=46
